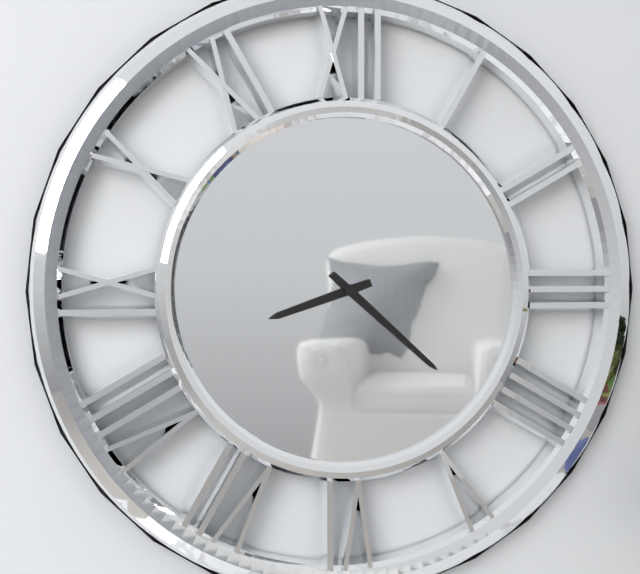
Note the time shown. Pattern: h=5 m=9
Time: h=8 m=22
